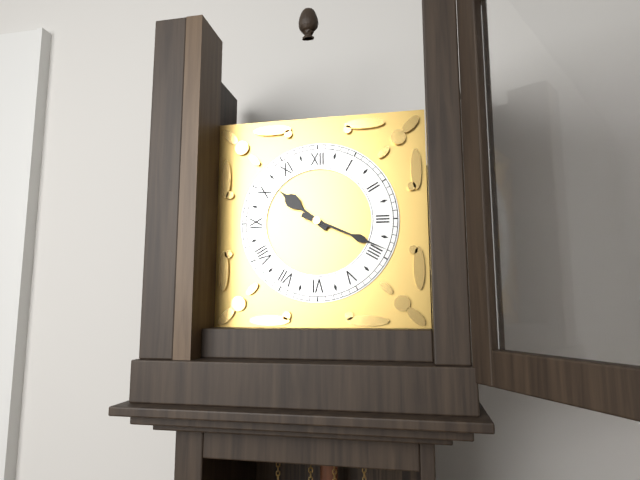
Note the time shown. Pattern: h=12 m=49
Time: h=10 m=19
